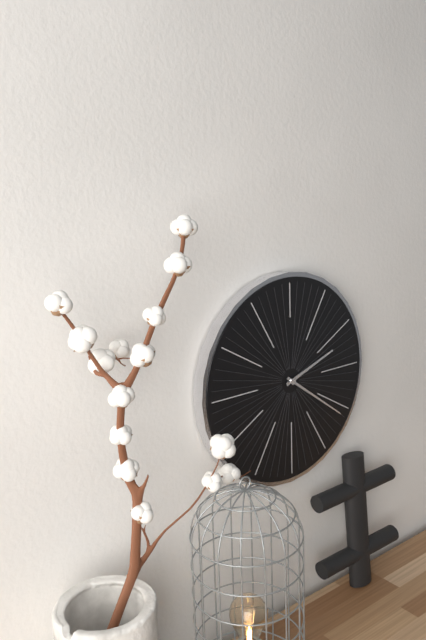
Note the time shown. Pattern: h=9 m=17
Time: h=2 m=21
